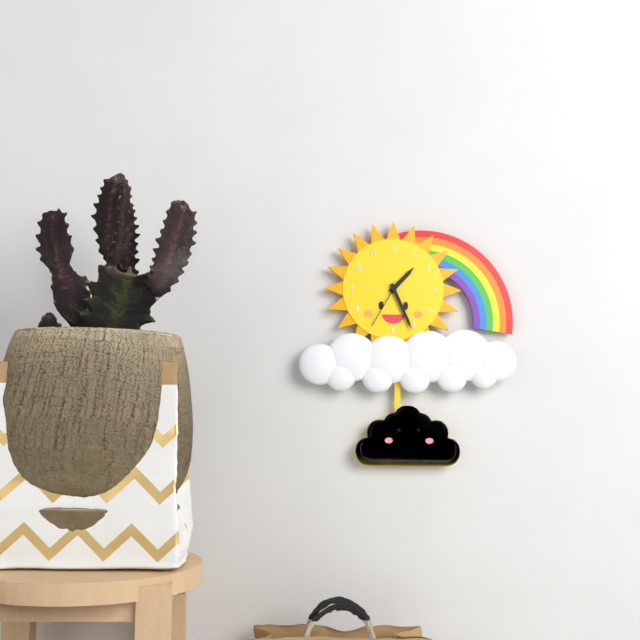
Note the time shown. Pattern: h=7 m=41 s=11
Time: h=1 m=26 s=35
